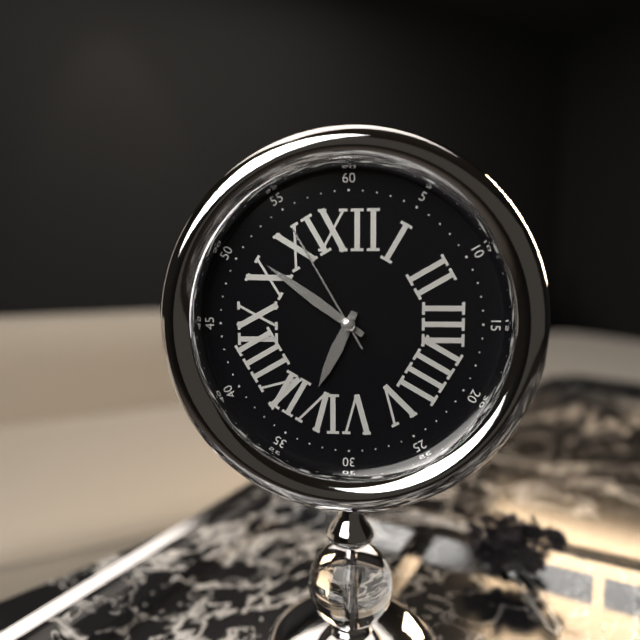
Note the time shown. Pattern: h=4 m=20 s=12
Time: h=6 m=51 s=55
